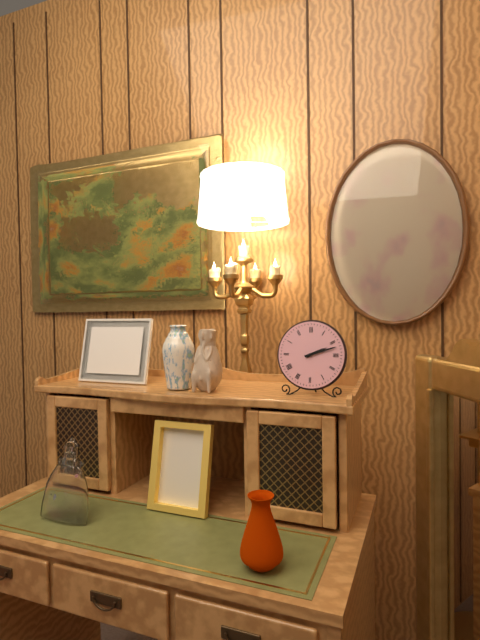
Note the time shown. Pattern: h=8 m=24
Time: h=2 m=12
